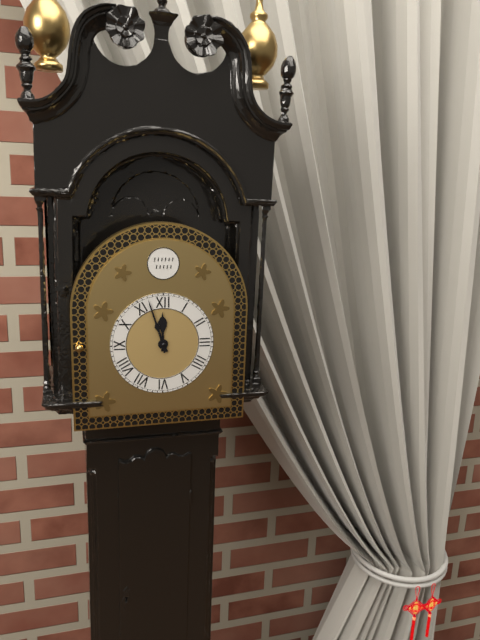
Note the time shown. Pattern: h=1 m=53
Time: h=11 m=57
